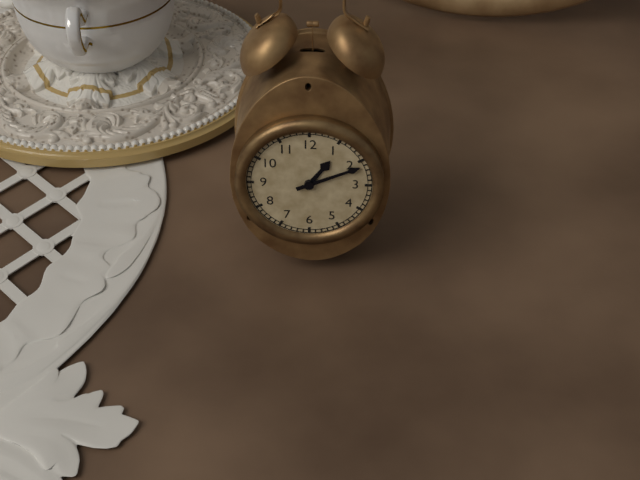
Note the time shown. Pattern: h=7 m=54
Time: h=1 m=11
